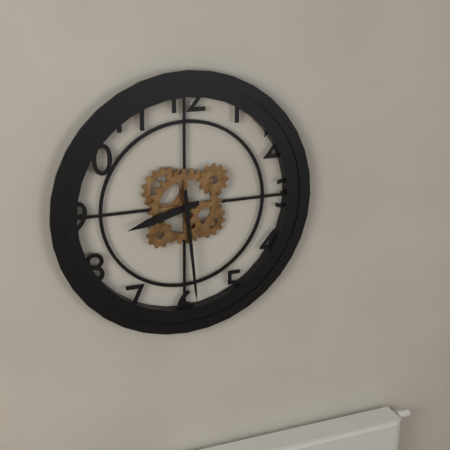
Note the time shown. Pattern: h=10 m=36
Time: h=8 m=29
